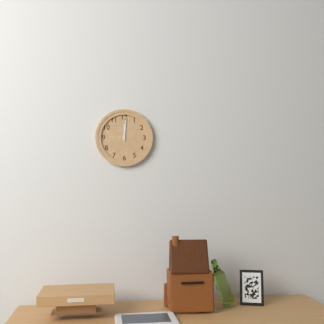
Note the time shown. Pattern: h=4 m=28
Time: h=12 m=1
